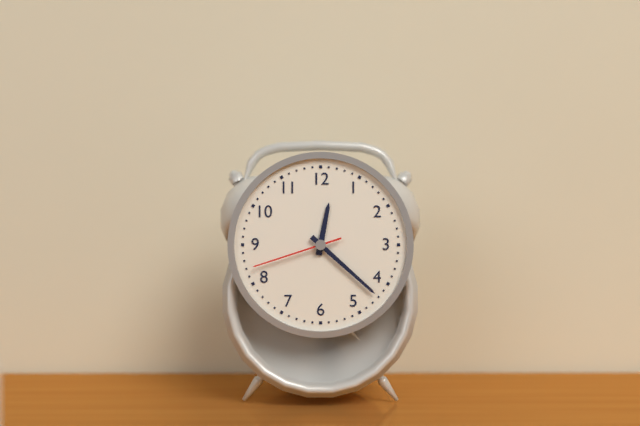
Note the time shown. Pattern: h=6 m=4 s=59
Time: h=12 m=22 s=42
